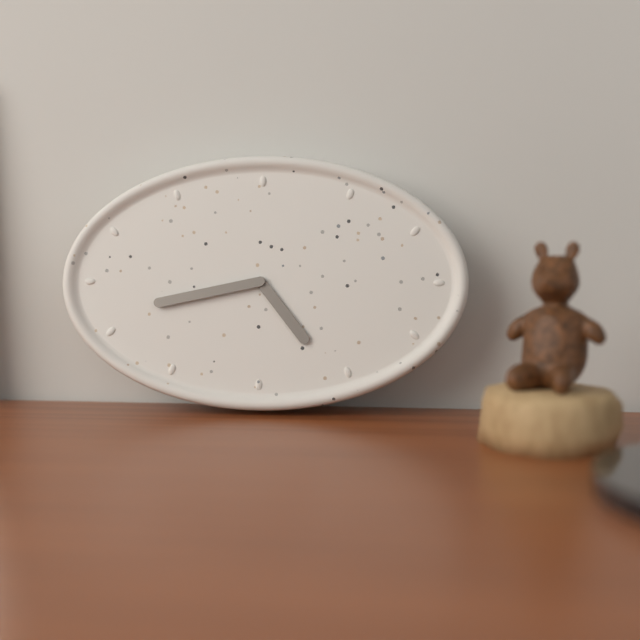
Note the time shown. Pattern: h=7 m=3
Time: h=4 m=43
